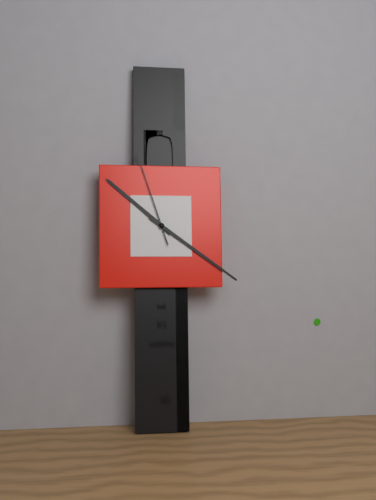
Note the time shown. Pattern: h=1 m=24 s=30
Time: h=10 m=21 s=57
